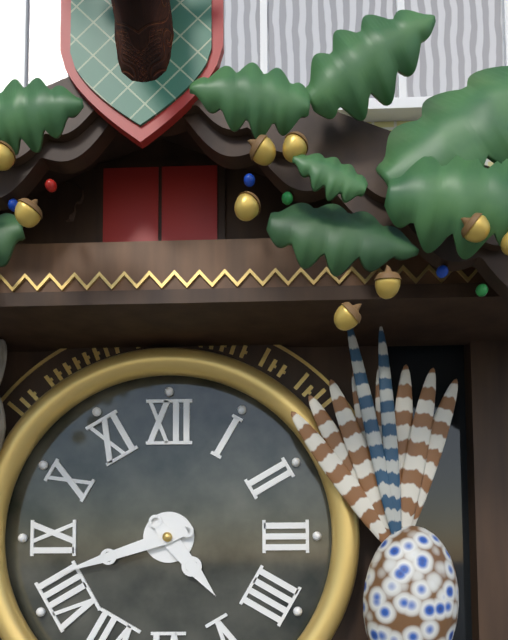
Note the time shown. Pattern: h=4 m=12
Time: h=4 m=42
